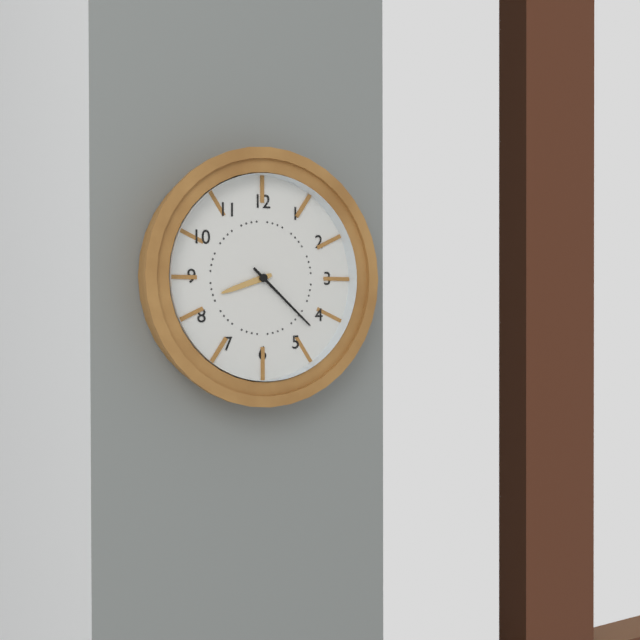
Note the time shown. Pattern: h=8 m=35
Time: h=8 m=22
